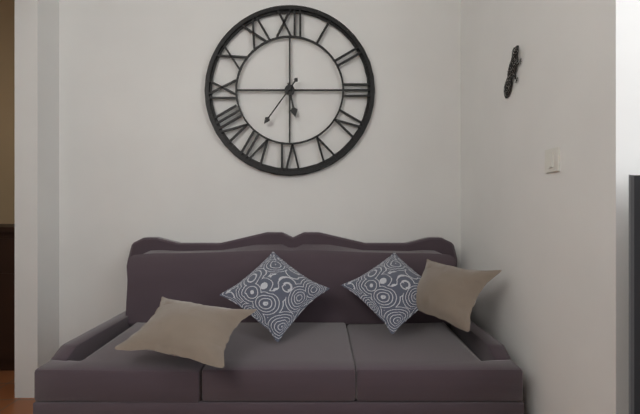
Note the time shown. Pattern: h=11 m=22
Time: h=5 m=36
